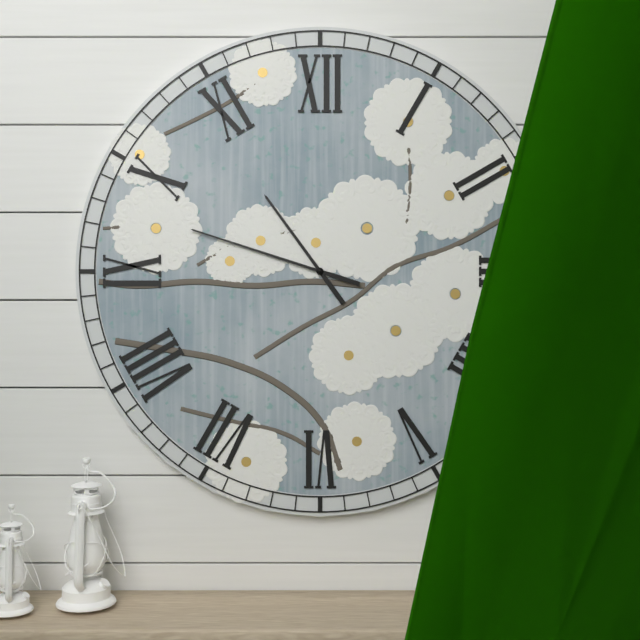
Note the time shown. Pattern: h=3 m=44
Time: h=10 m=48
